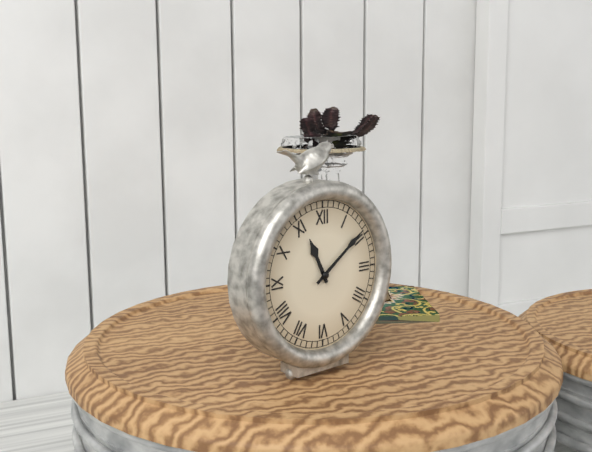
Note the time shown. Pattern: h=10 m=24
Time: h=11 m=9
